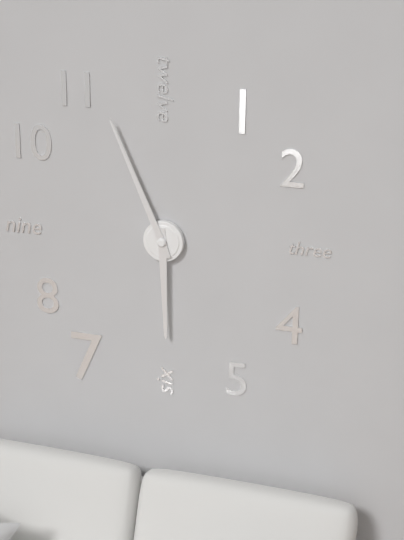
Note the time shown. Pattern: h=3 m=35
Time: h=5 m=56
